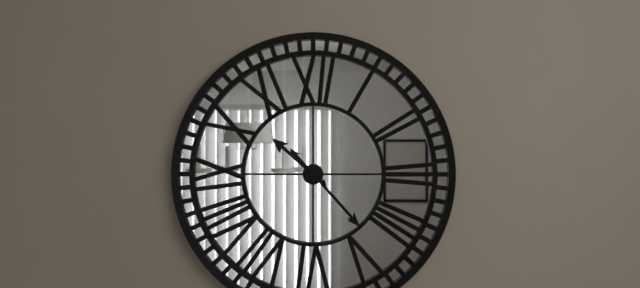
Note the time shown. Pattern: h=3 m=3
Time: h=10 m=23
